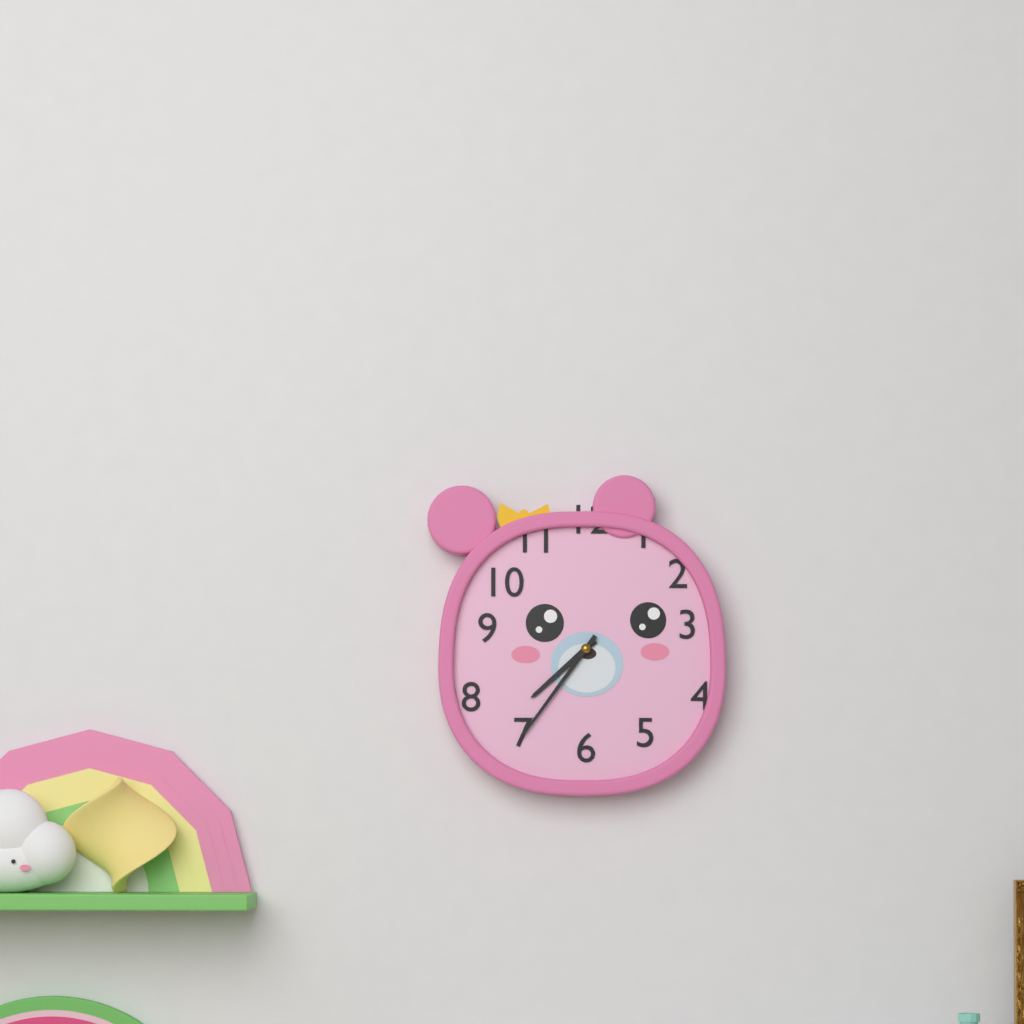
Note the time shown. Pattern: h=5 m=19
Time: h=7 m=36
